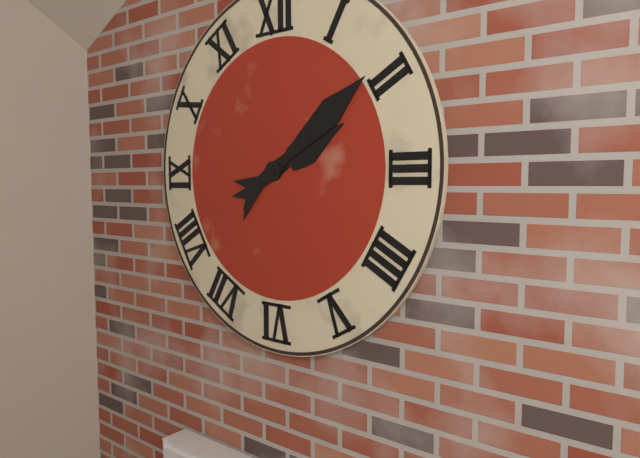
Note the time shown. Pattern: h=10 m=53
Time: h=2 m=9
